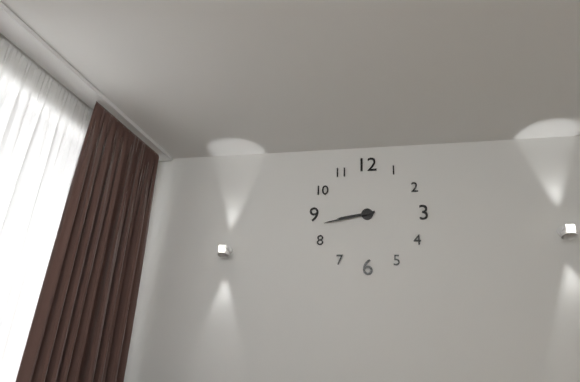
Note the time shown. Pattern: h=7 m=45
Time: h=8 m=43
